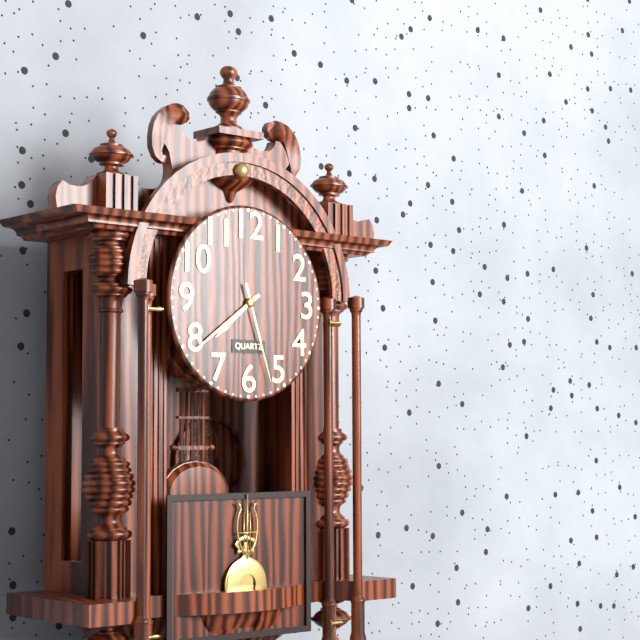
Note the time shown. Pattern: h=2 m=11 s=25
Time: h=7 m=39 s=27
